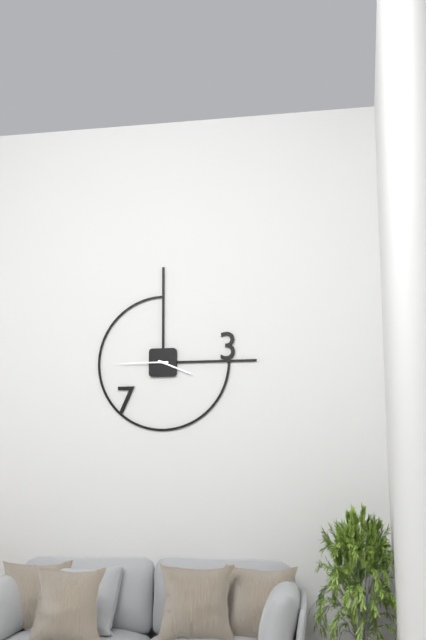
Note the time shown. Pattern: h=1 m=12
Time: h=3 m=45
